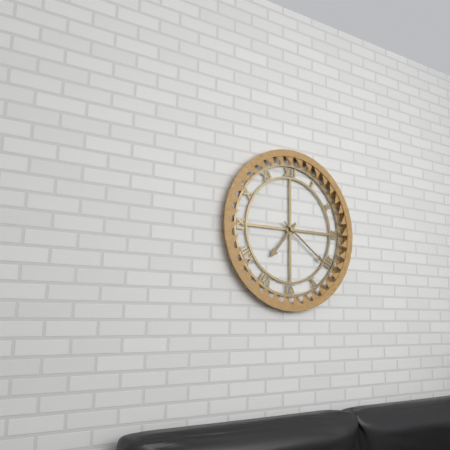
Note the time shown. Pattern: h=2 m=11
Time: h=7 m=21
